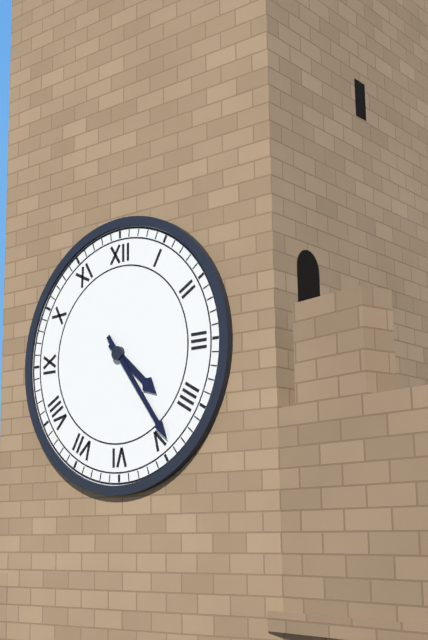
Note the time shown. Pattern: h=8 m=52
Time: h=4 m=24
